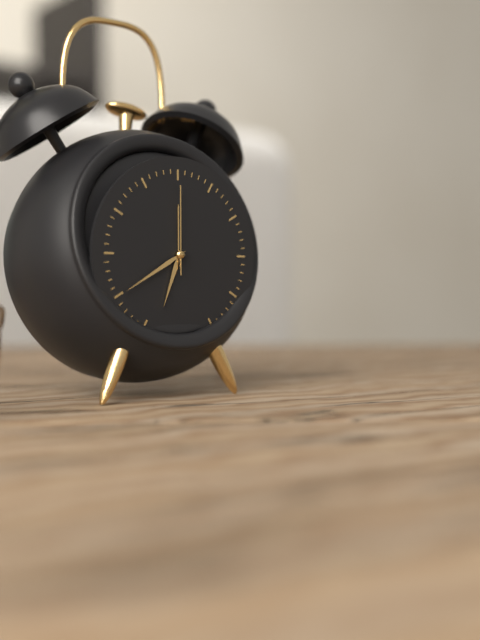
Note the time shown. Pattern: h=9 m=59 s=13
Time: h=6 m=40 s=0
